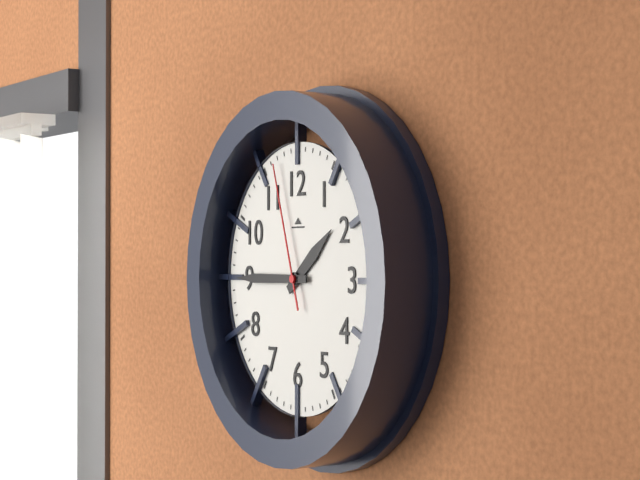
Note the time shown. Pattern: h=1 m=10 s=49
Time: h=1 m=45 s=57
